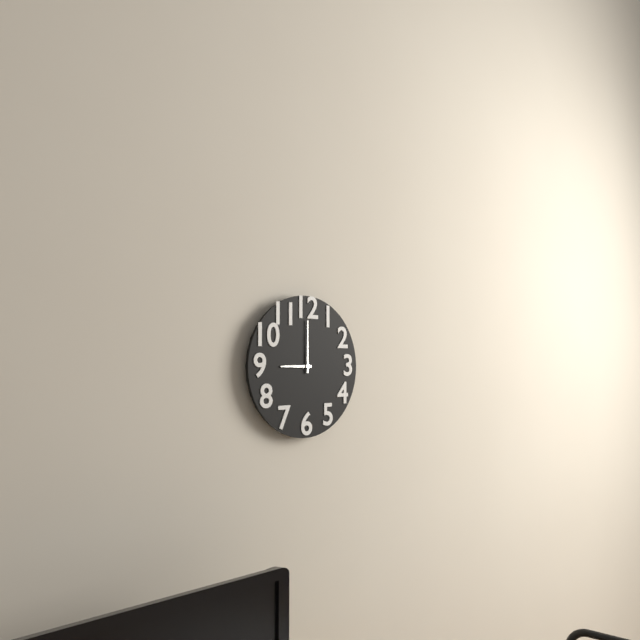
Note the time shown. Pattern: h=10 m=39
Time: h=9 m=0
